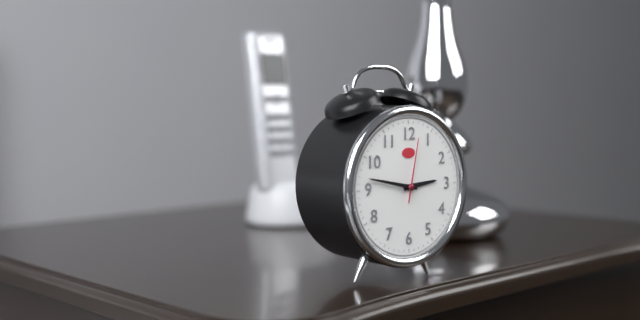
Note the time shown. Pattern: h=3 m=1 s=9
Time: h=2 m=47 s=2
